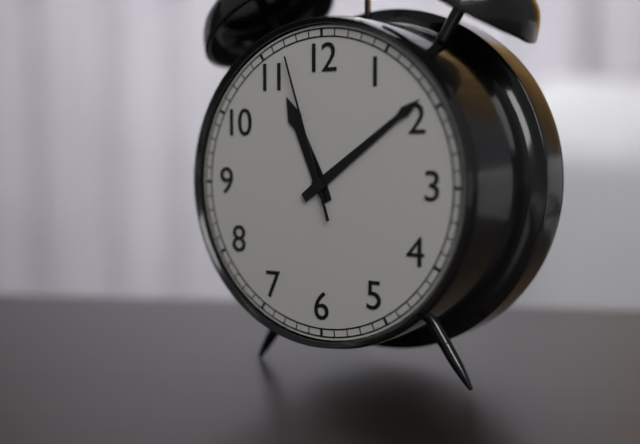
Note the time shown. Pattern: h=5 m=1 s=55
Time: h=11 m=9 s=57
